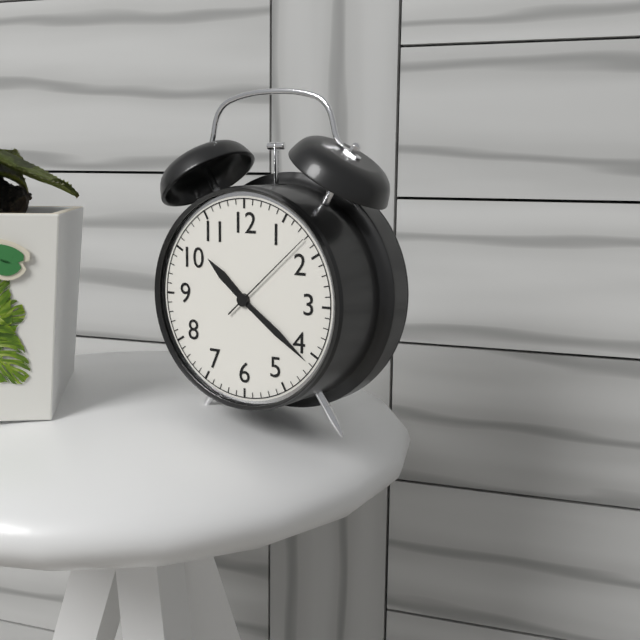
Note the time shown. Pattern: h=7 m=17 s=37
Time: h=10 m=21 s=8
